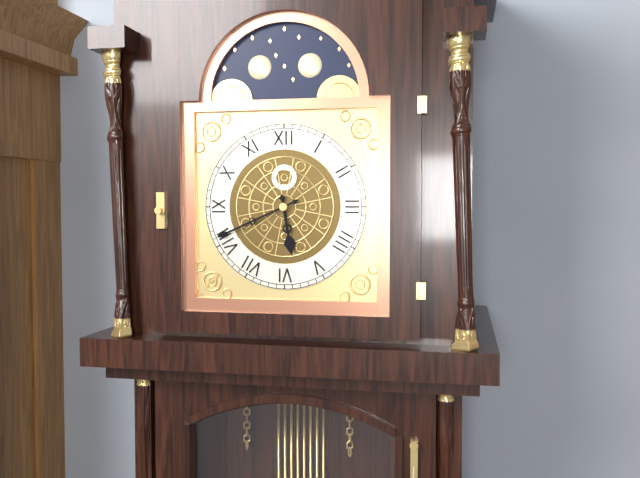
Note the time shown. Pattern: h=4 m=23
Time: h=5 m=41
